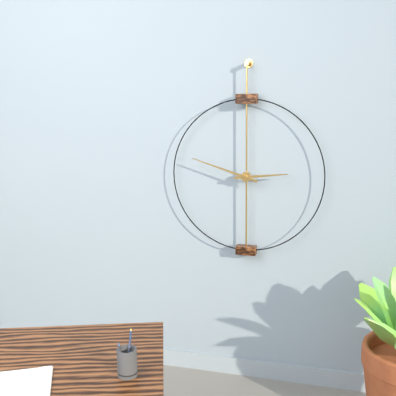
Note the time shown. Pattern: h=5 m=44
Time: h=2 m=48
